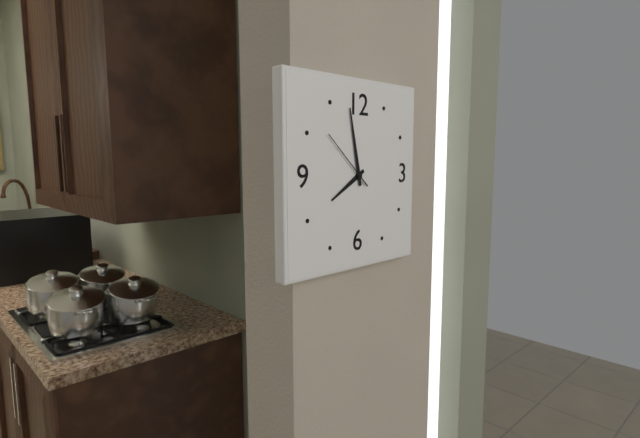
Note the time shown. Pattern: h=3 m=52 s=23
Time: h=7 m=58 s=52
